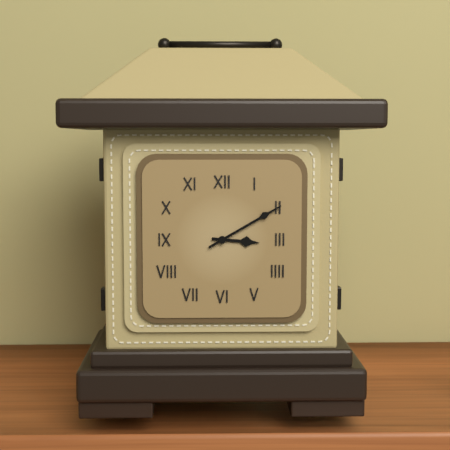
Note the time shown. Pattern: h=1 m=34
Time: h=3 m=10
